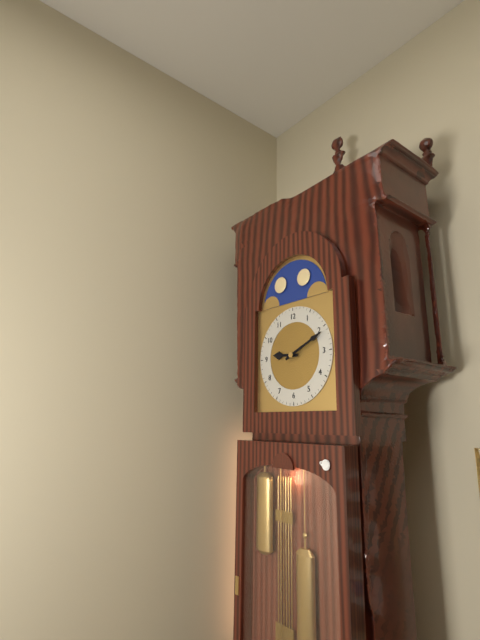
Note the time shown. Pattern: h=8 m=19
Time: h=9 m=11
